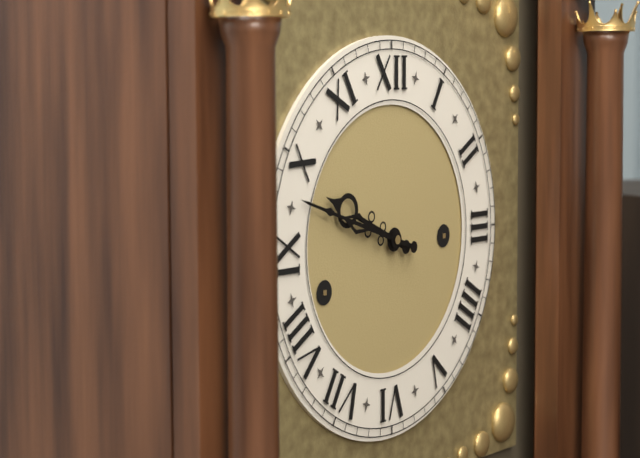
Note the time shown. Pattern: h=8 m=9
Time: h=9 m=48
